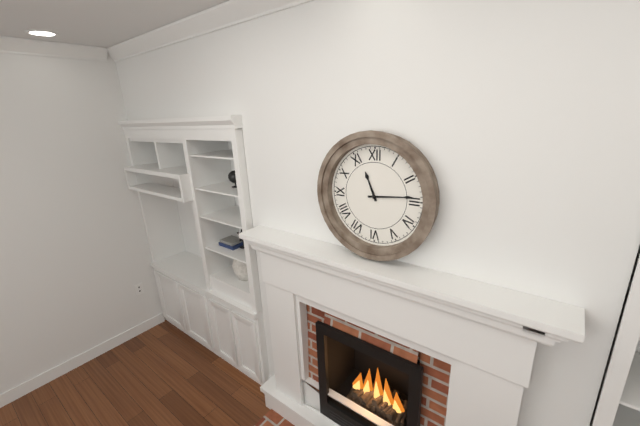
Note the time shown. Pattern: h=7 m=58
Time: h=11 m=14
